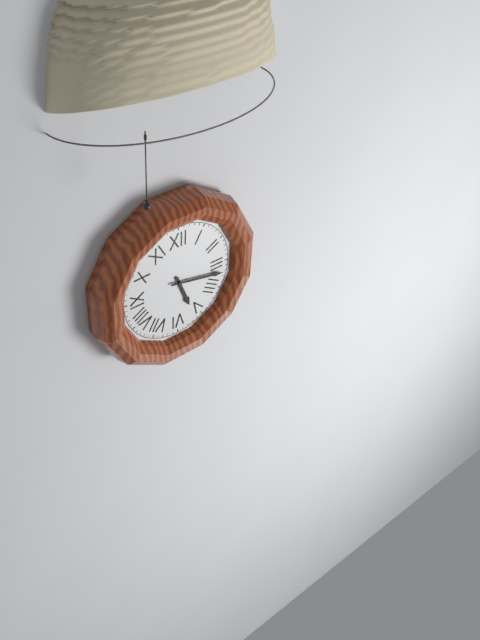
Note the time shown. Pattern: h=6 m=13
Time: h=5 m=17
